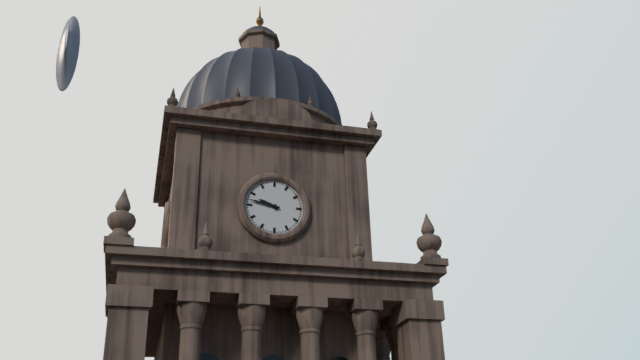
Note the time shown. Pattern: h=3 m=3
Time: h=9 m=47
